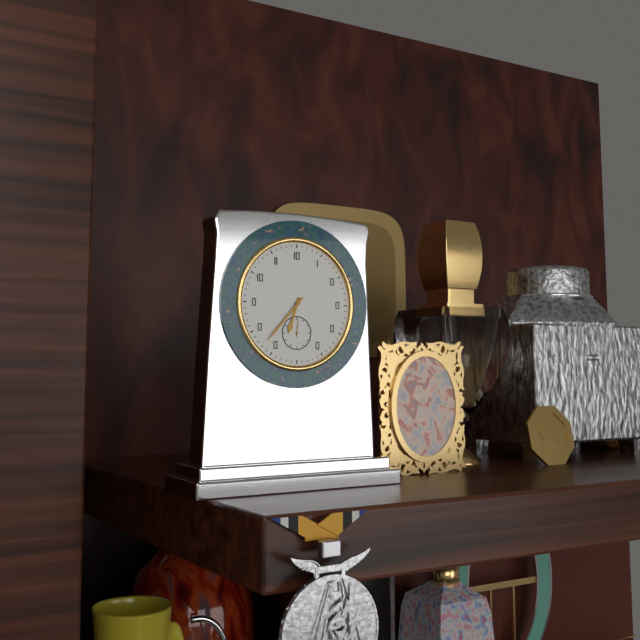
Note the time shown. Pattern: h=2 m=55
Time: h=6 m=37
